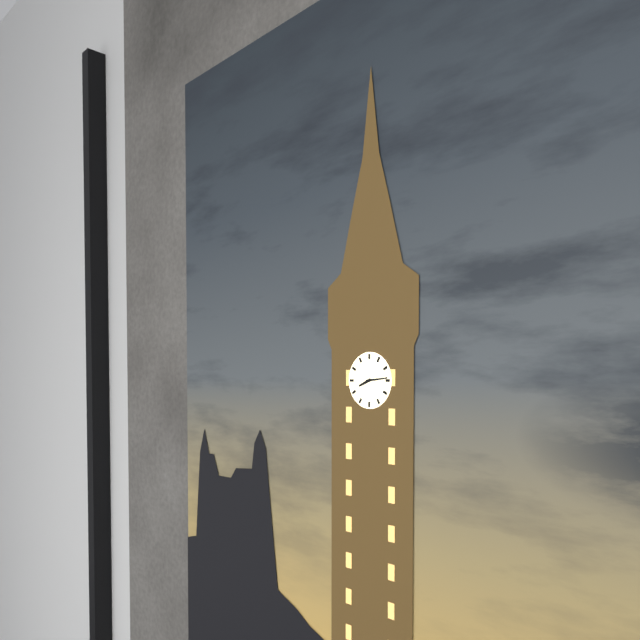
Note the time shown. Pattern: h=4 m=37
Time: h=8 m=14
